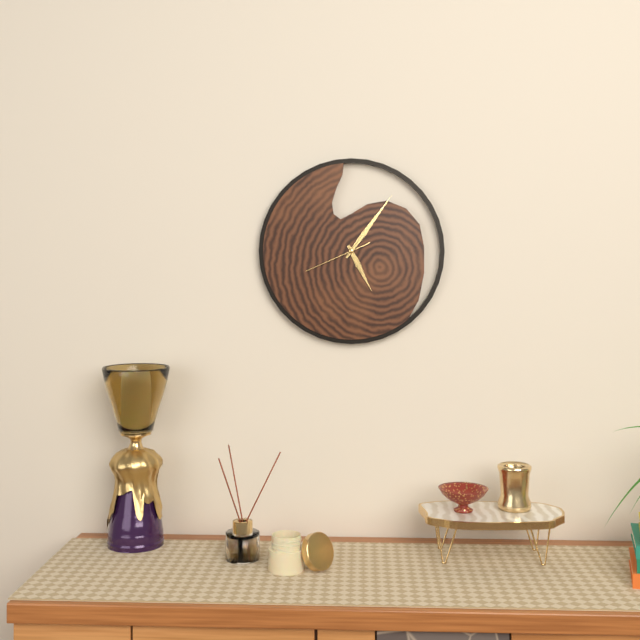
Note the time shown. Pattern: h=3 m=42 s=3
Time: h=5 m=6 s=41
